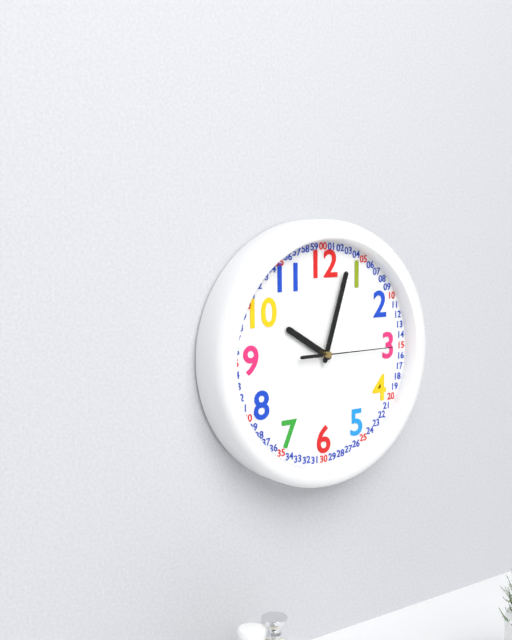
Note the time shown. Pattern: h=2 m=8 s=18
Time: h=10 m=3 s=15
